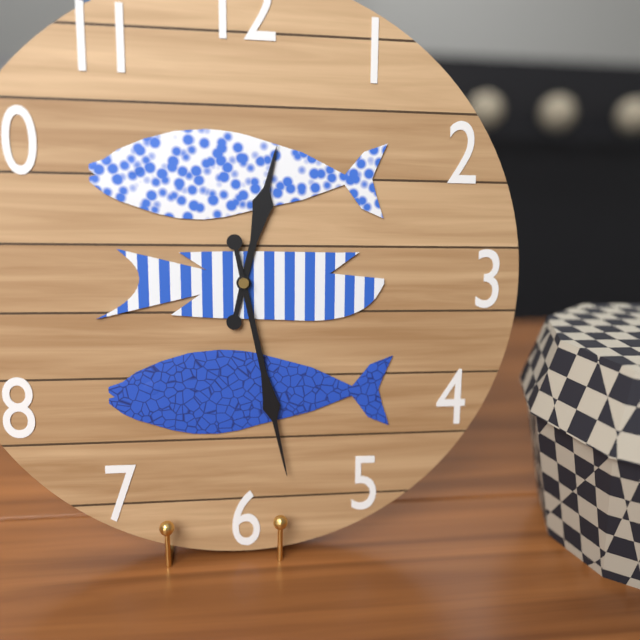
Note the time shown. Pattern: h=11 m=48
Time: h=12 m=28
